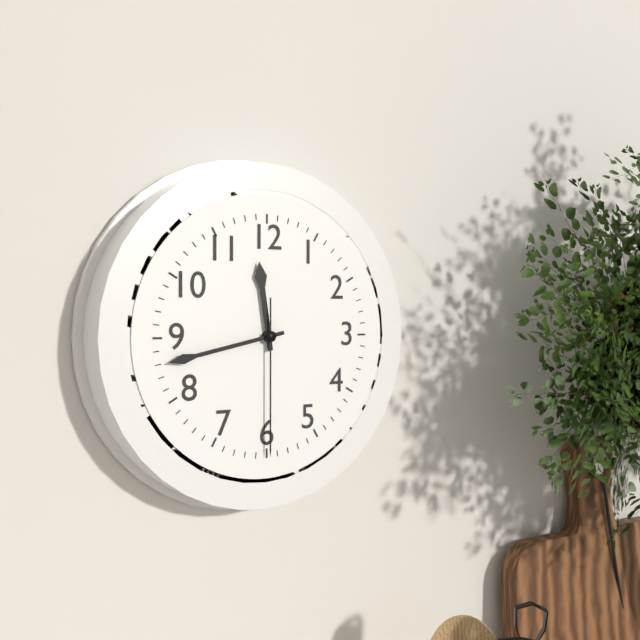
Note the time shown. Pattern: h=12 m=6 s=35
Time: h=11 m=43 s=30
